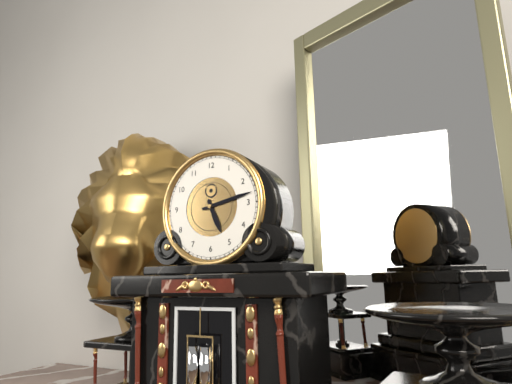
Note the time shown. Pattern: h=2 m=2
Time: h=5 m=13
